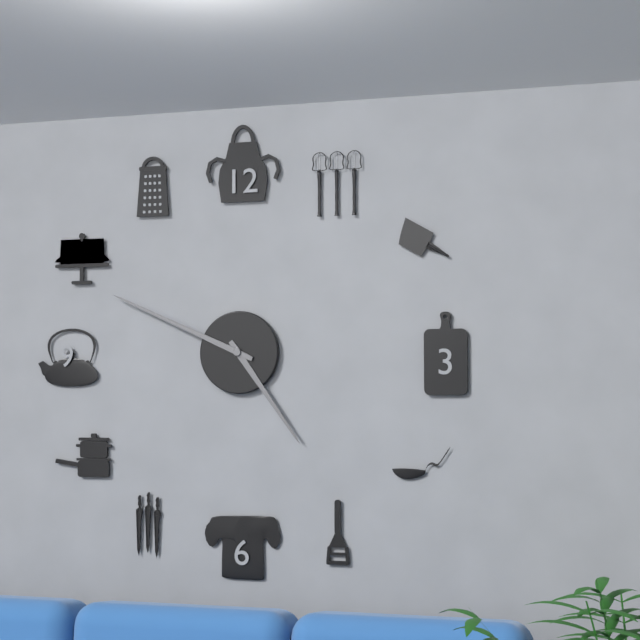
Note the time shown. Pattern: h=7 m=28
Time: h=4 m=49
